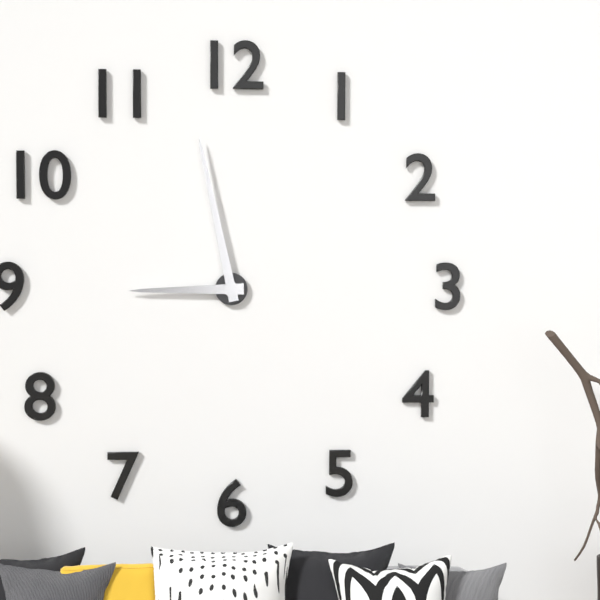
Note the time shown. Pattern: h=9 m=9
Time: h=8 m=58
